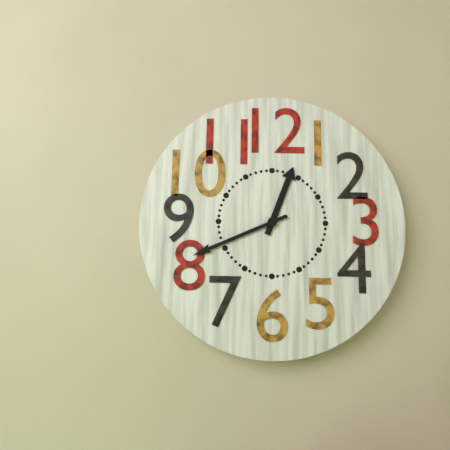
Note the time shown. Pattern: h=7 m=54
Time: h=12 m=41
